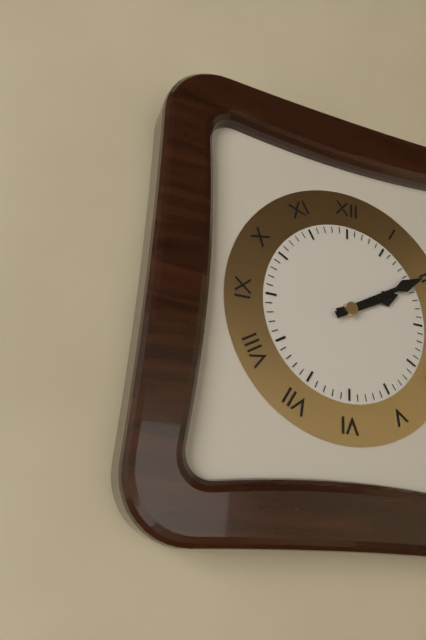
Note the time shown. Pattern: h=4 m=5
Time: h=2 m=10
